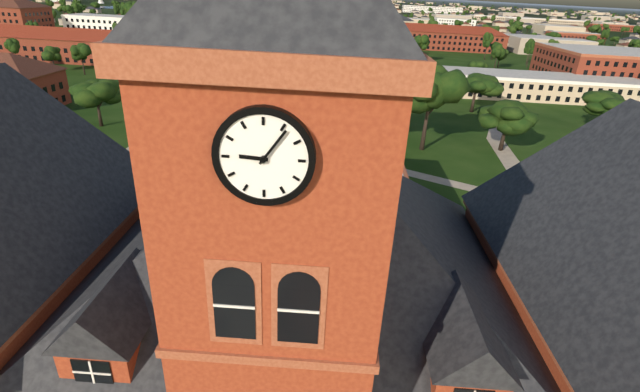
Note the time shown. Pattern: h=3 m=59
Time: h=9 m=6
